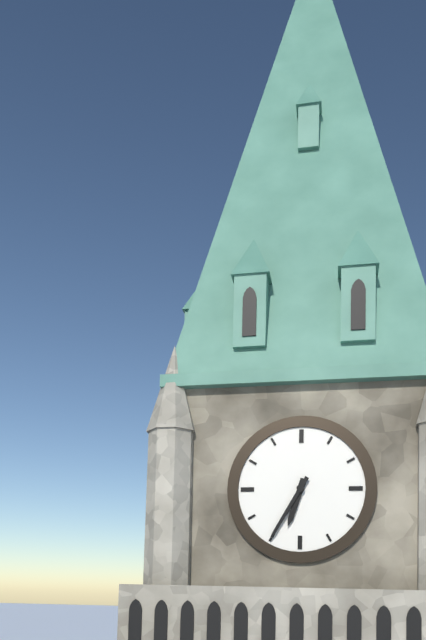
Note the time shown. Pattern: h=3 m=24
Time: h=6 m=35
